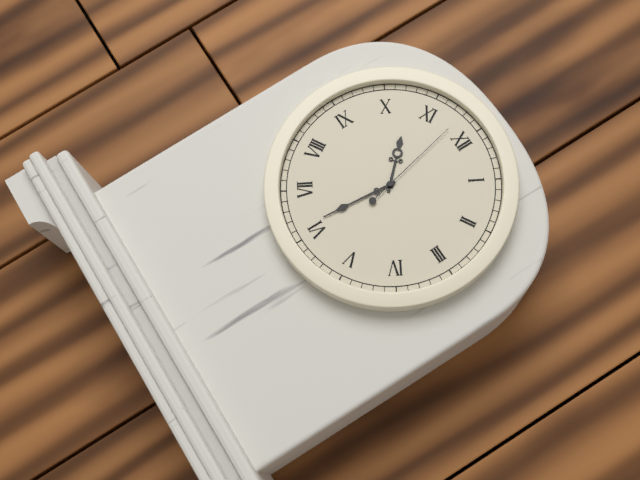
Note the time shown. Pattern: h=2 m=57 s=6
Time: h=10 m=31 s=58
